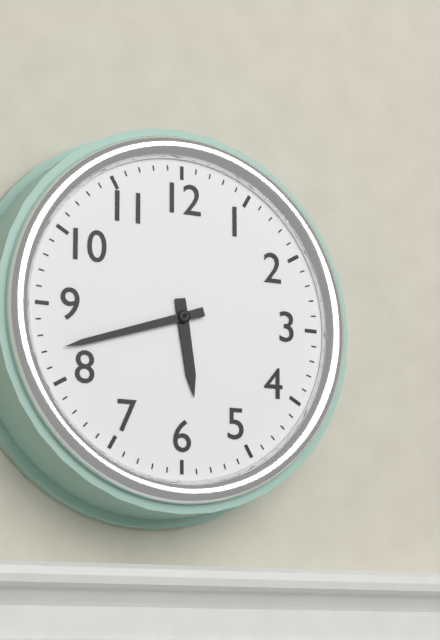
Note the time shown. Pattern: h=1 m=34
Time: h=5 m=42
